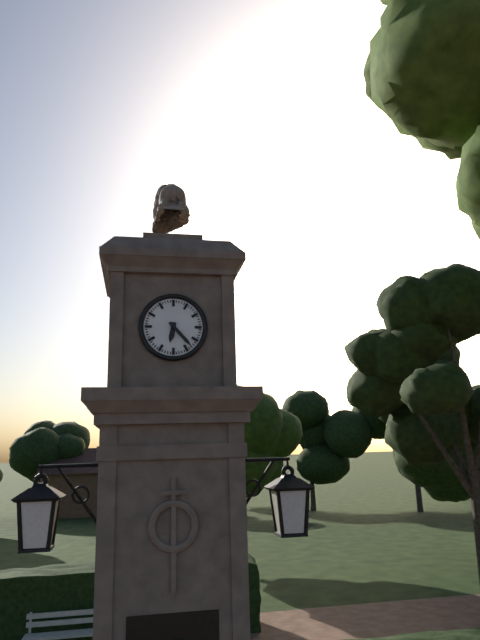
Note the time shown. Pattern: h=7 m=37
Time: h=6 m=23
